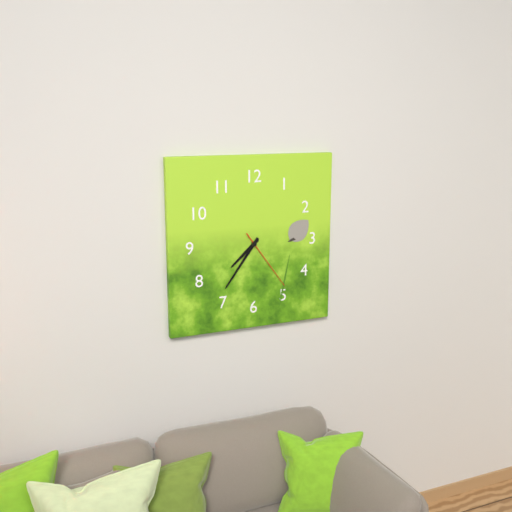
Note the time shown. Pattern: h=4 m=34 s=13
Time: h=7 m=36 s=24
